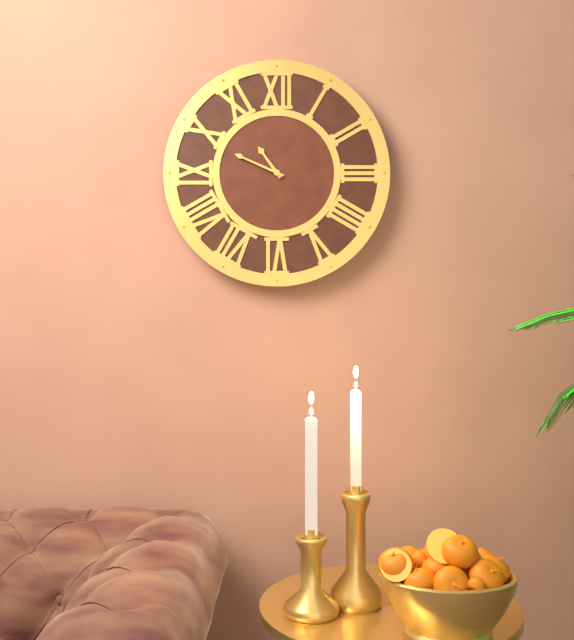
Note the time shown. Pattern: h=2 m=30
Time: h=10 m=49
